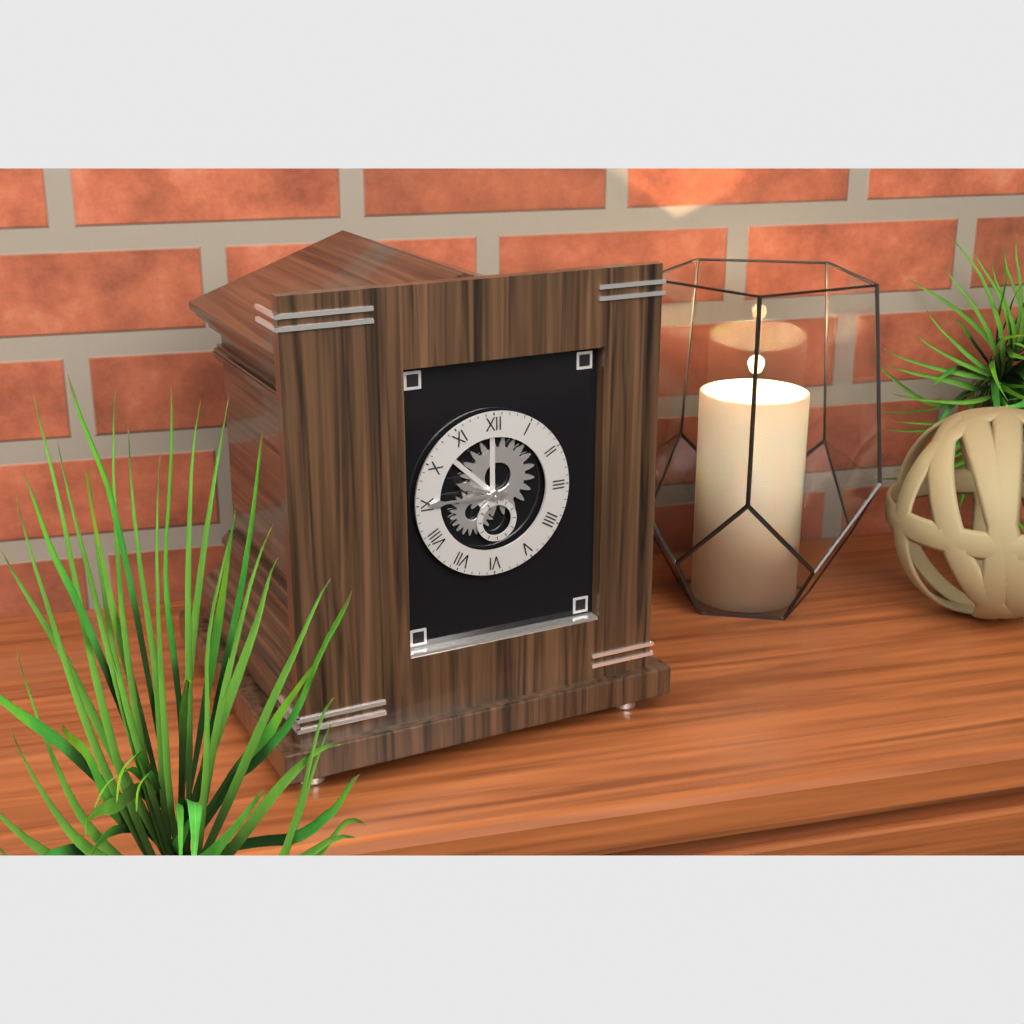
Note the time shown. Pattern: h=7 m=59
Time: h=9 m=45
